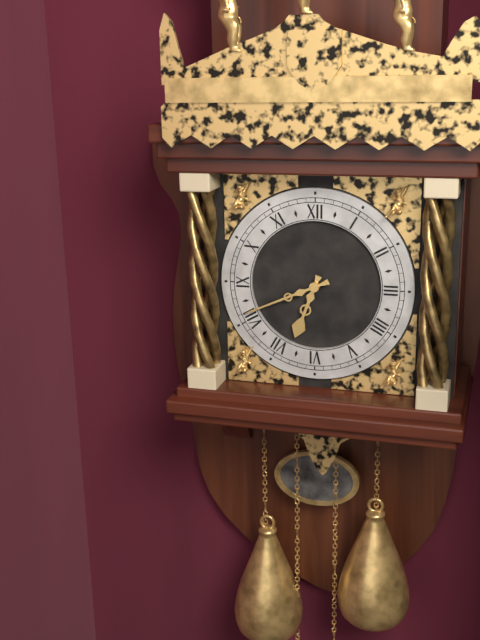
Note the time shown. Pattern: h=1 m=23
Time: h=6 m=41
